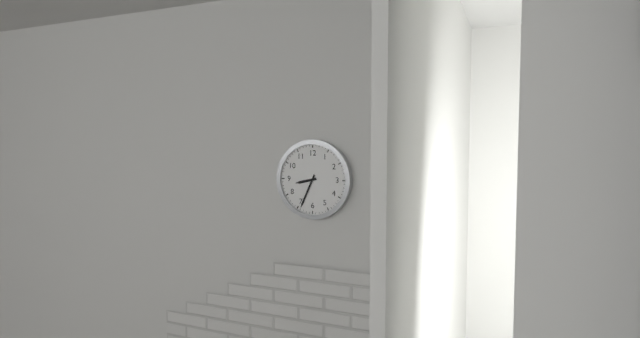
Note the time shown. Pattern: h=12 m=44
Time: h=8 m=34
